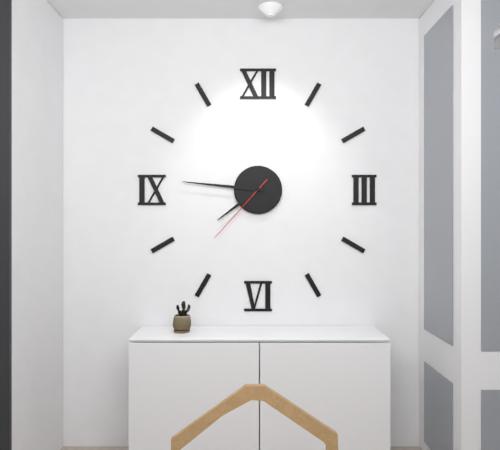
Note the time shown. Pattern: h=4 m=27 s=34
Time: h=7 m=46 s=37
